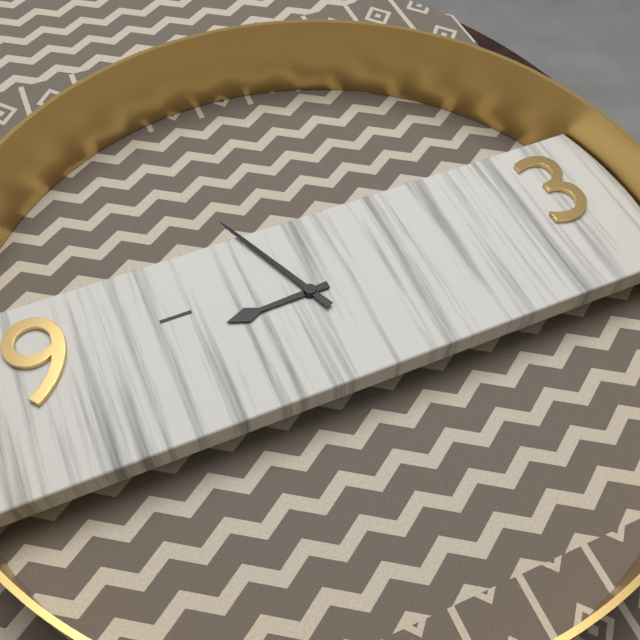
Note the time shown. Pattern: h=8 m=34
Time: h=8 m=56
